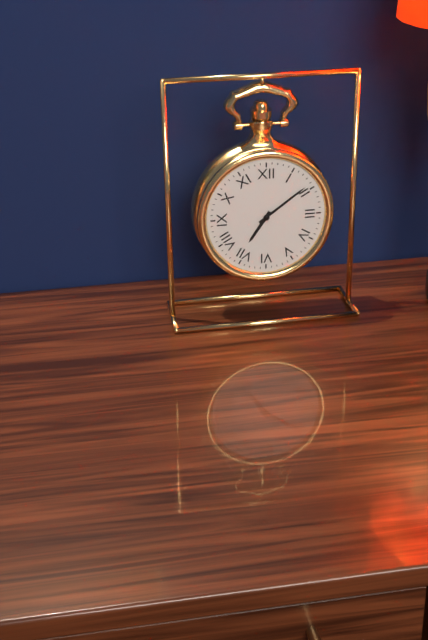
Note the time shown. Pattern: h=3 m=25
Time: h=7 m=9
